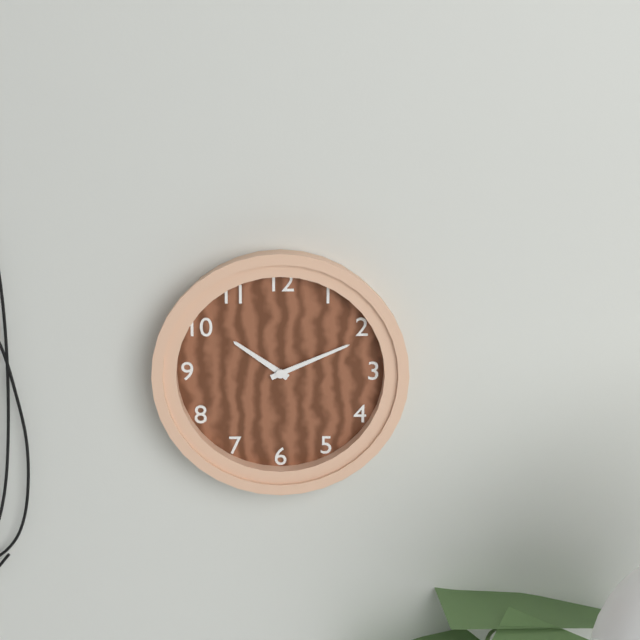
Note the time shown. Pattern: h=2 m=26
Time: h=10 m=11
